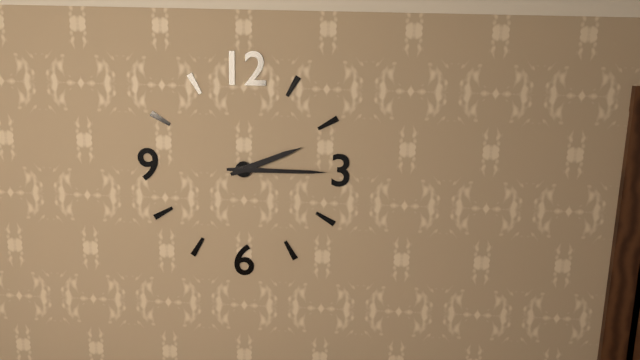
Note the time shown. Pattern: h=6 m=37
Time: h=2 m=15
